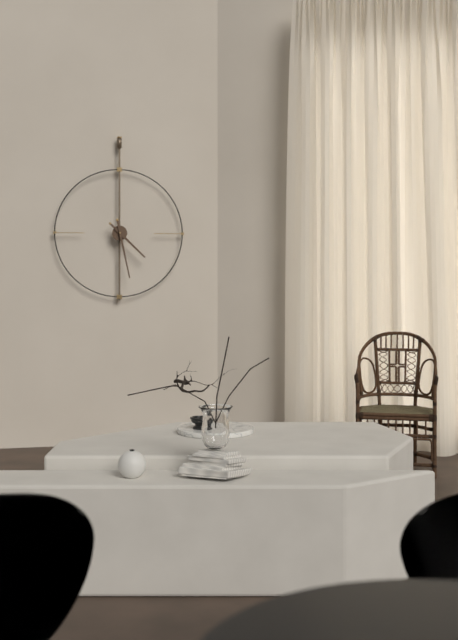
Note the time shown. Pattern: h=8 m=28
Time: h=4 m=28
